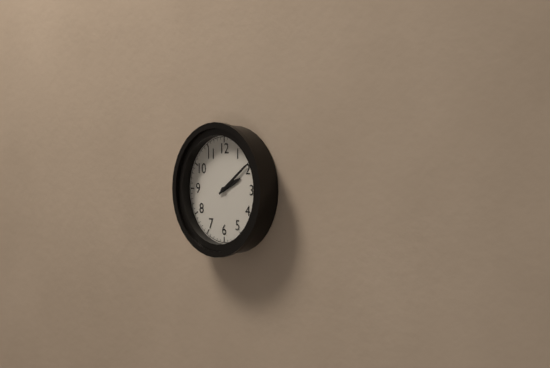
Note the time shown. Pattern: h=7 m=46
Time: h=2 m=9
